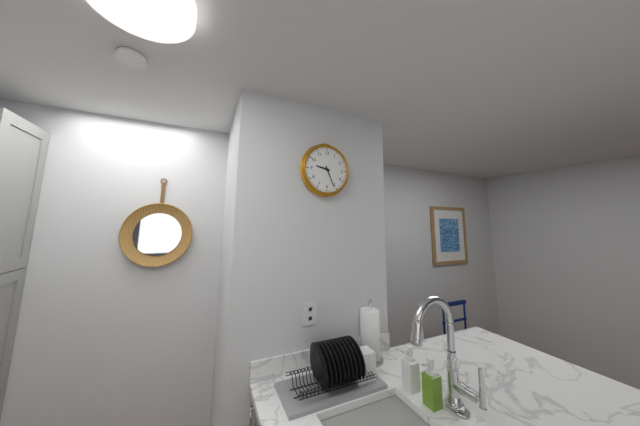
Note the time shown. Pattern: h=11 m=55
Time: h=9 m=26
